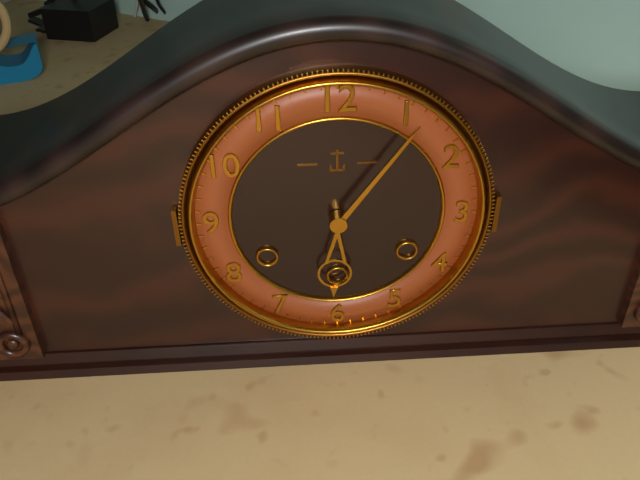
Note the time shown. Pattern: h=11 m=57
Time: h=6 m=6
